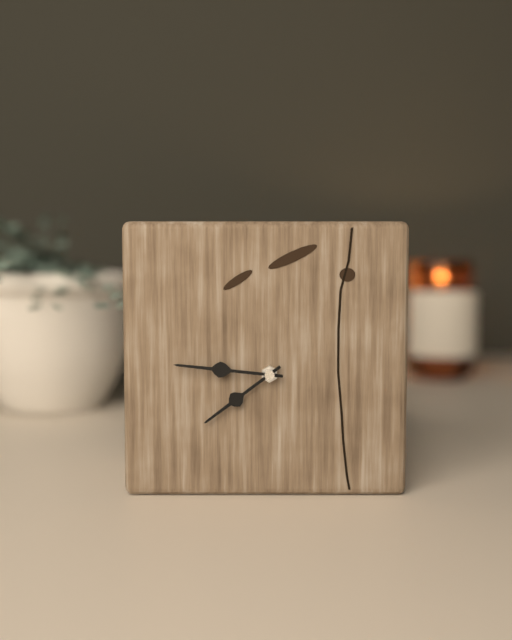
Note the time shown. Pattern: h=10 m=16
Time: h=7 m=46
